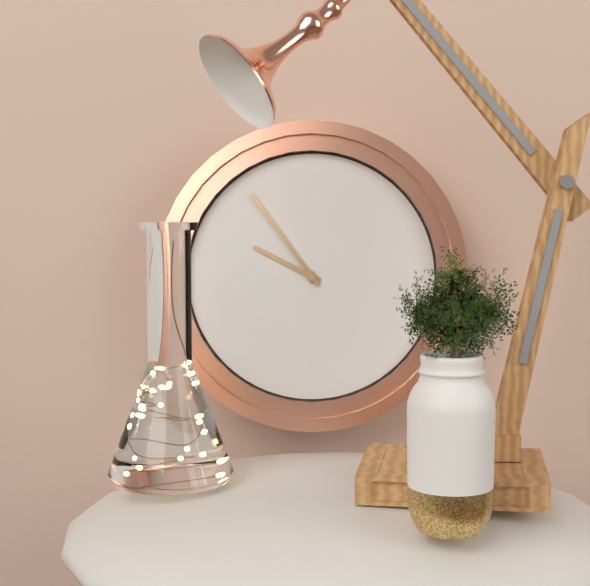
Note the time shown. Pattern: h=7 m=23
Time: h=9 m=54
